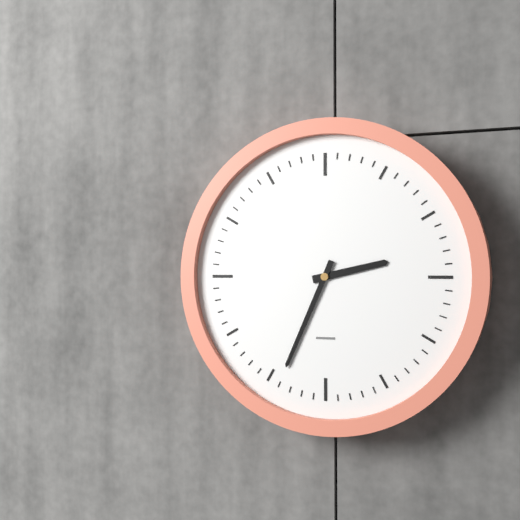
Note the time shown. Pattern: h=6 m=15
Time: h=2 m=34
